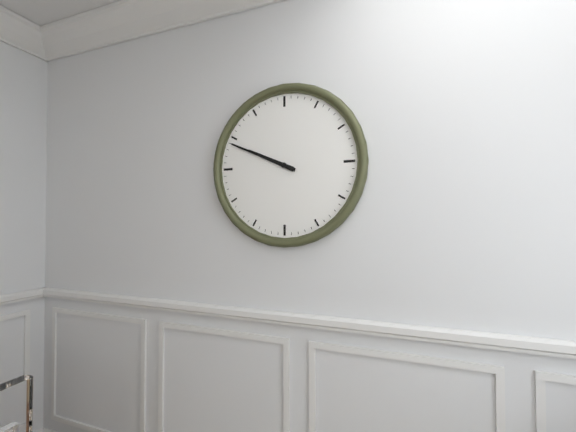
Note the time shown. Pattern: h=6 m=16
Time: h=9 m=49
